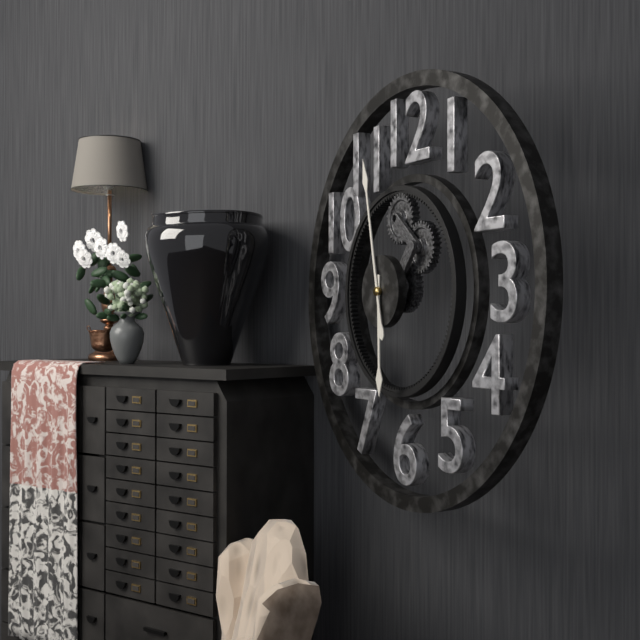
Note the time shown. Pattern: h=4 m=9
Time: h=5 m=58
